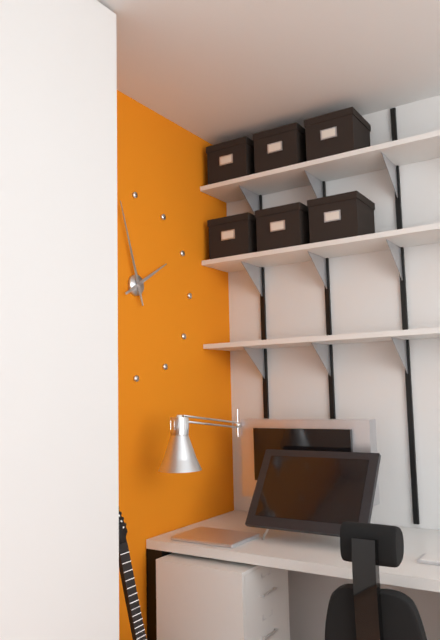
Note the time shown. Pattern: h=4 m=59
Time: h=1 m=57
